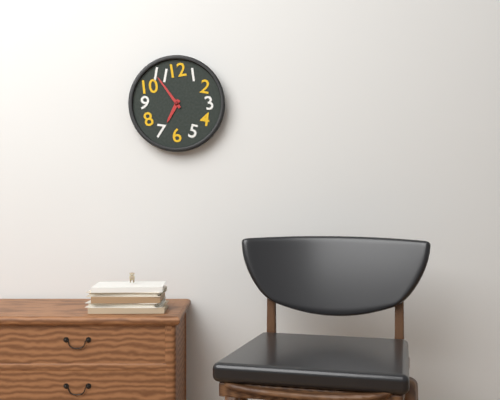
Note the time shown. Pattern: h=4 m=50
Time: h=6 m=54
